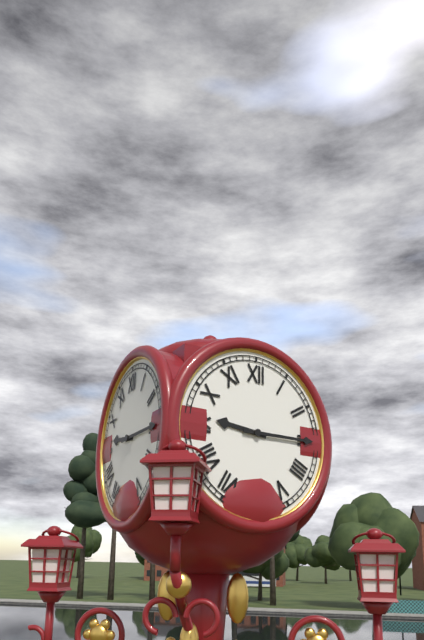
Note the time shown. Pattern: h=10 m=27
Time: h=9 m=15
